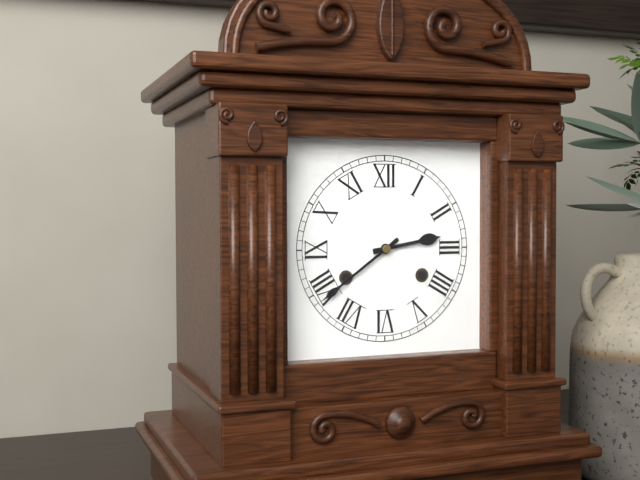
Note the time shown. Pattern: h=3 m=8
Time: h=2 m=39
